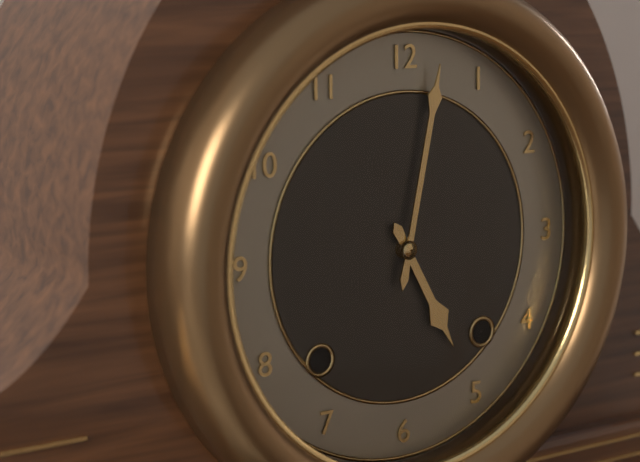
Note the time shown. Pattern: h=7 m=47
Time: h=5 m=2
